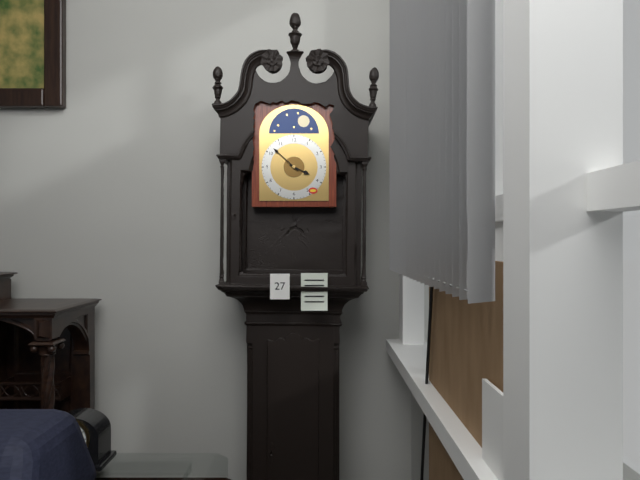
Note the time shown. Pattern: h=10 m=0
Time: h=3 m=52
